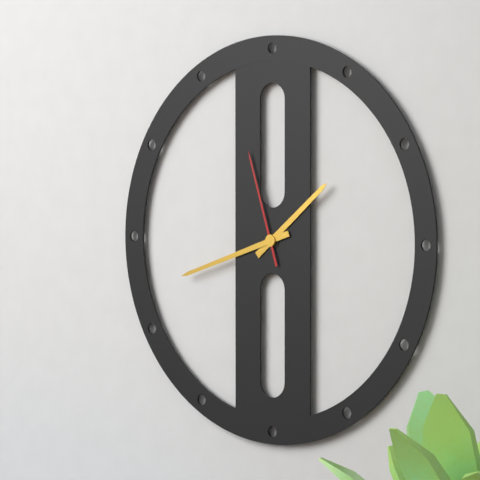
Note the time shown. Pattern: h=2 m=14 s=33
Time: h=1 m=42 s=57
